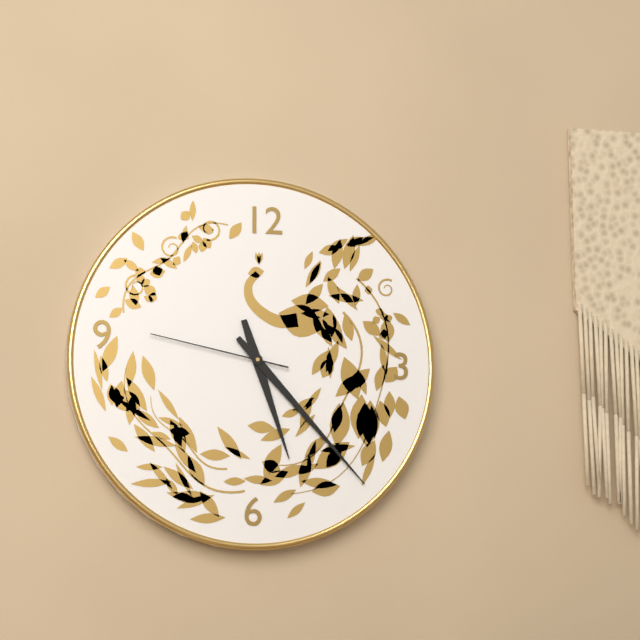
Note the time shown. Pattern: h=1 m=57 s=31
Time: h=5 m=23 s=47
